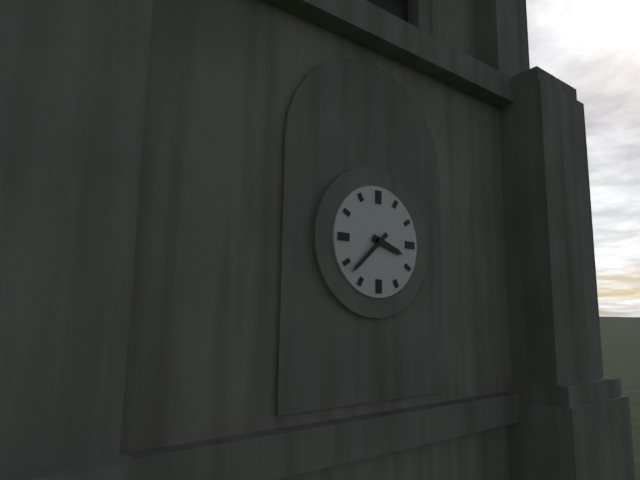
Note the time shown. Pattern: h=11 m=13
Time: h=3 m=38
